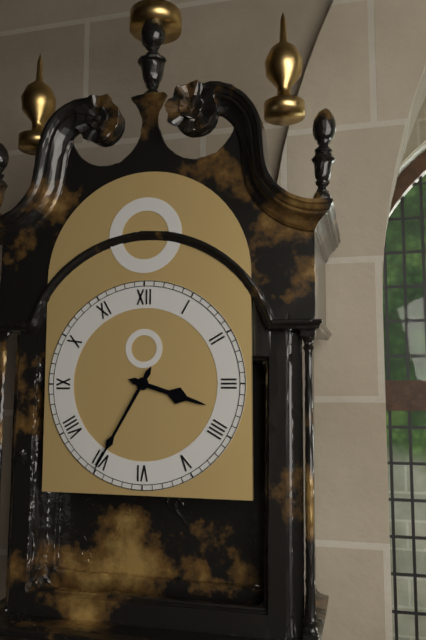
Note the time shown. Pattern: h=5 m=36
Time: h=3 m=35
